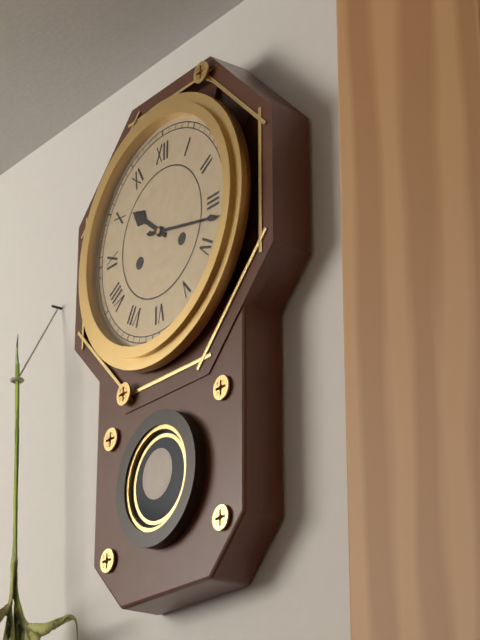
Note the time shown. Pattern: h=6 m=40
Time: h=10 m=17
